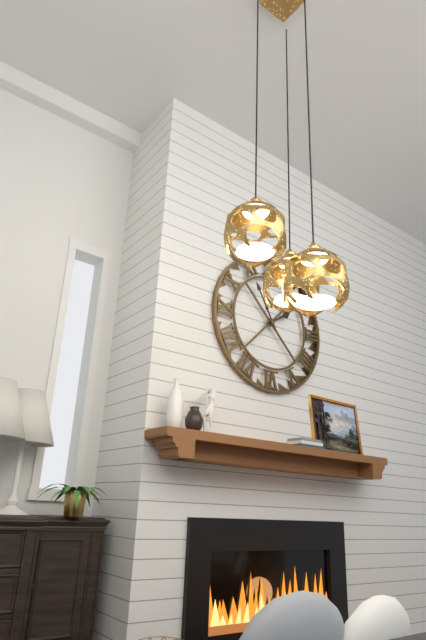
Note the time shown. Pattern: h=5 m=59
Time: h=1 m=55
